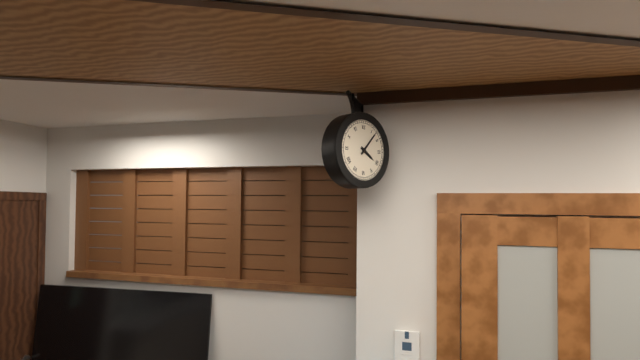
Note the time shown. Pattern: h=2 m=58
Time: h=4 m=7
